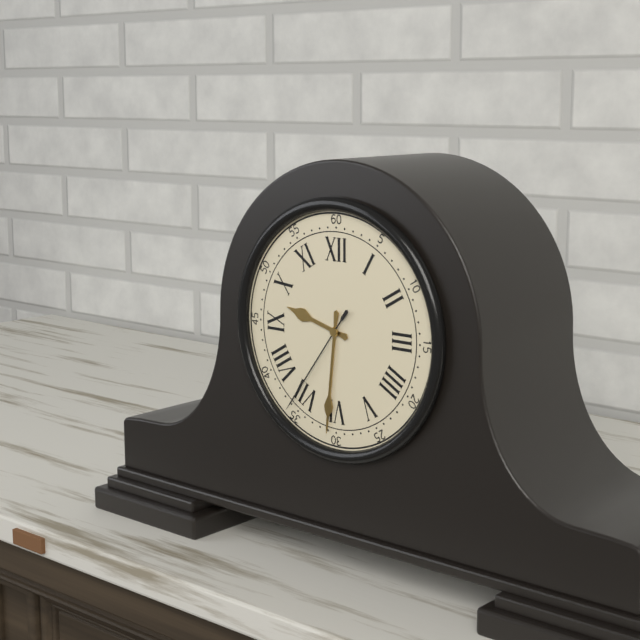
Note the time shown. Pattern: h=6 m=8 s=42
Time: h=9 m=31 s=36
